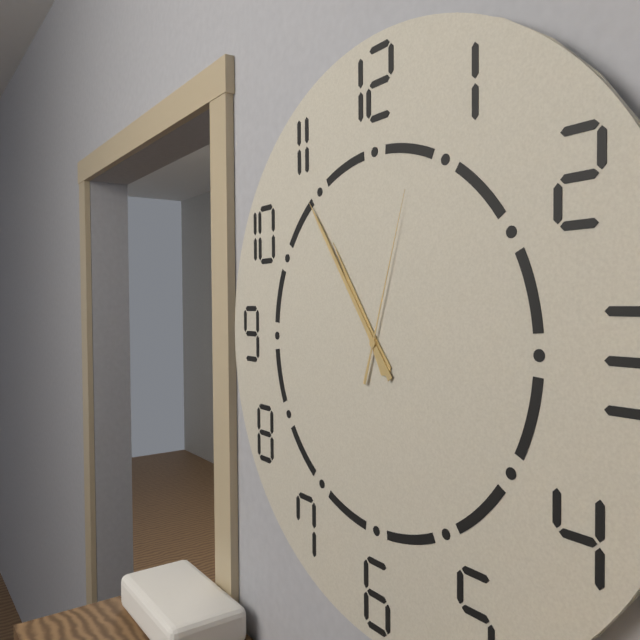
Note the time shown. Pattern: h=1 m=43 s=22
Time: h=10 m=54 s=3
